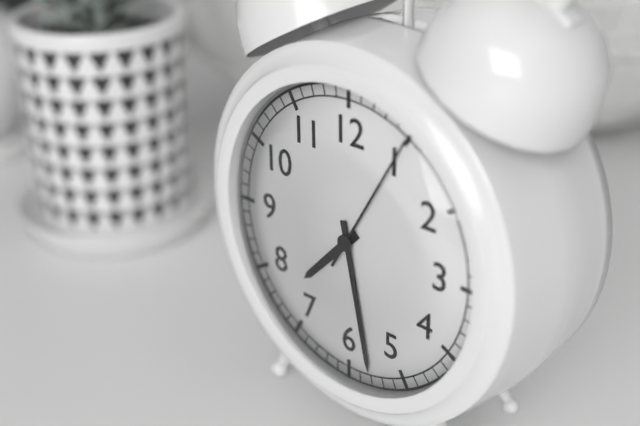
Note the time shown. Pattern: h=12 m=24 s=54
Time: h=7 m=28 s=5
